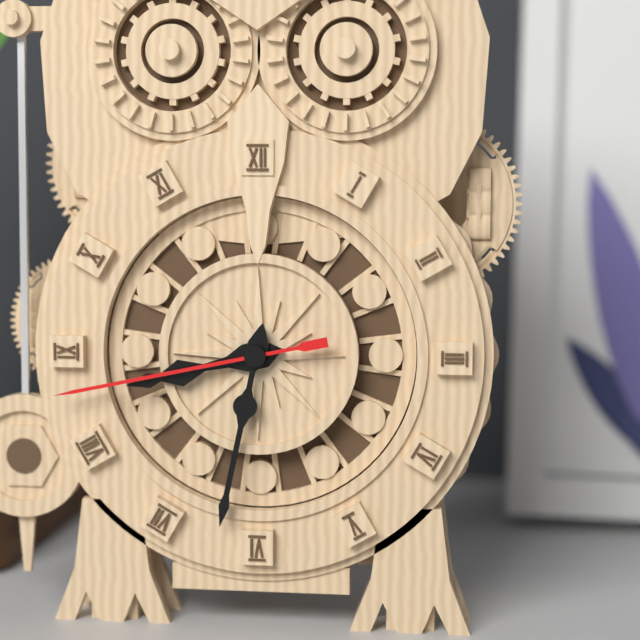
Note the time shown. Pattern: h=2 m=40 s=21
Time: h=8 m=32 s=43
